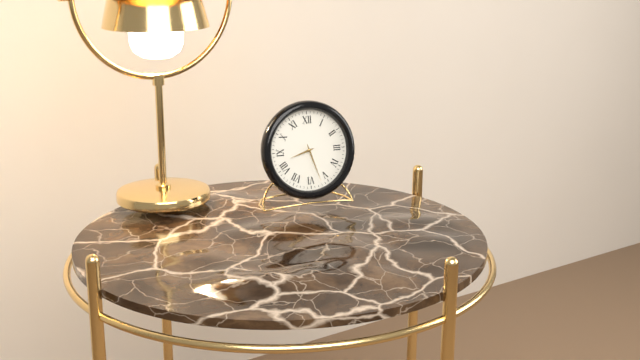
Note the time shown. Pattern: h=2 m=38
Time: h=8 m=27
